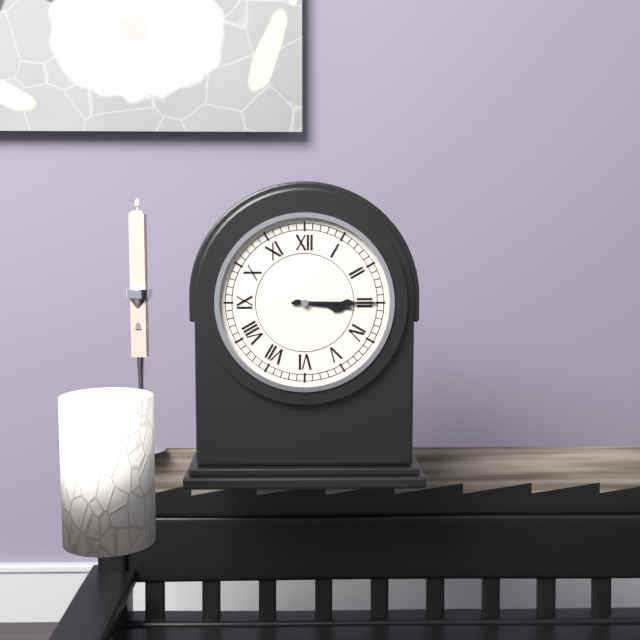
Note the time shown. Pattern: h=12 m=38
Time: h=3 m=15
